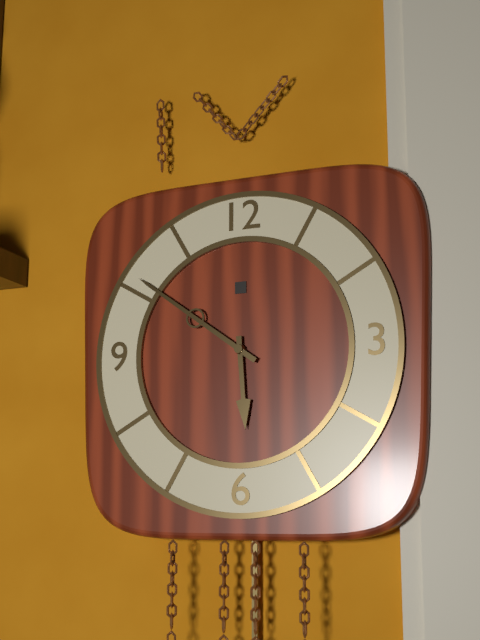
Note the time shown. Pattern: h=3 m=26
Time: h=5 m=51
